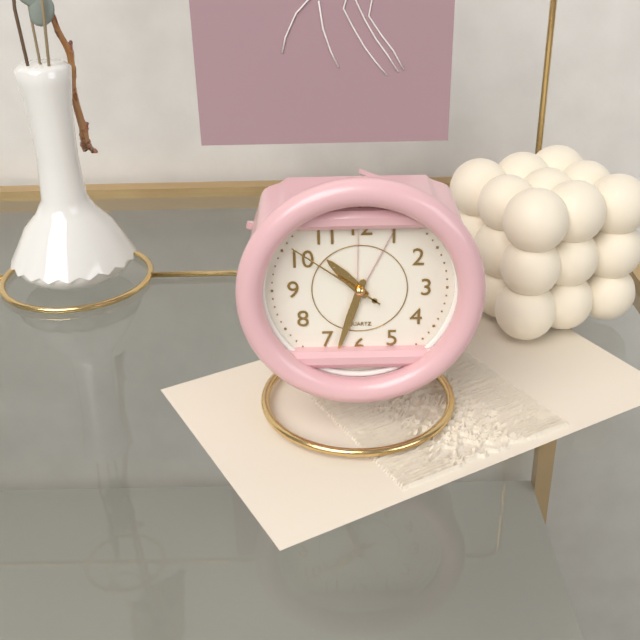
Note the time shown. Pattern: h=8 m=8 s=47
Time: h=10 m=33 s=51
